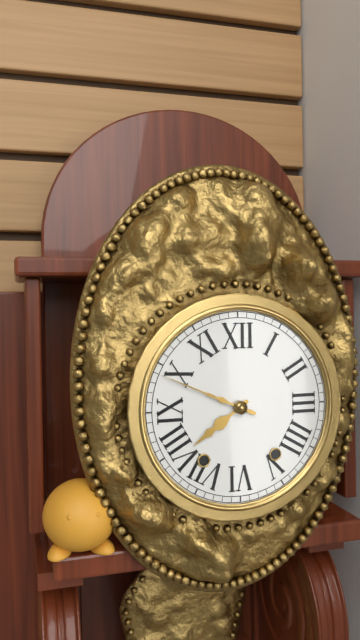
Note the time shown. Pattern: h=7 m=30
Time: h=7 m=49
